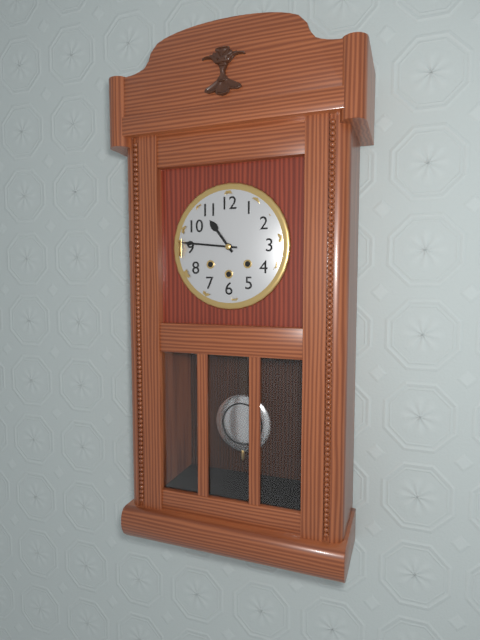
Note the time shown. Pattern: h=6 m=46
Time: h=10 m=46
